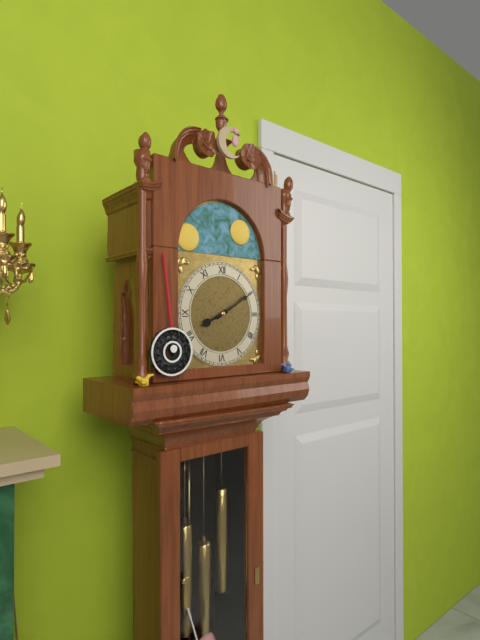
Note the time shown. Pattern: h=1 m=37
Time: h=8 m=10
